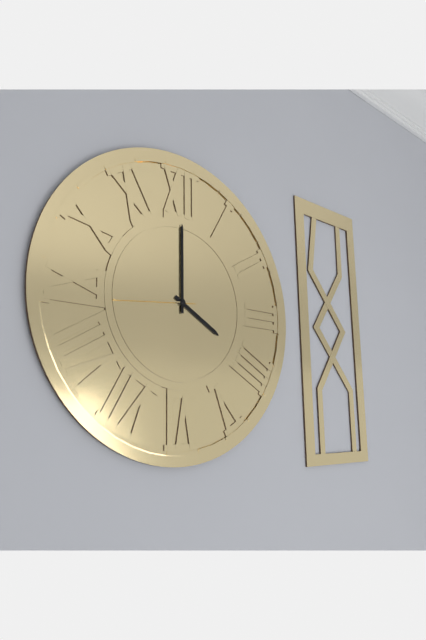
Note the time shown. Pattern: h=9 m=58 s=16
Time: h=4 m=0 s=44
